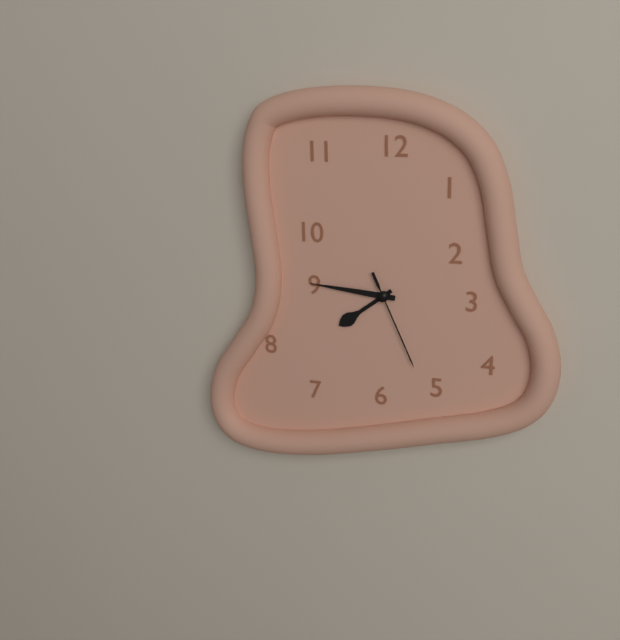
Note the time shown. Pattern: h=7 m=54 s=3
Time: h=7 m=46 s=26
